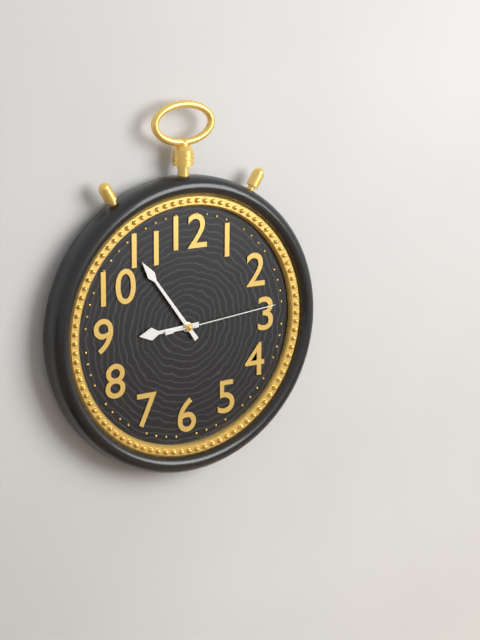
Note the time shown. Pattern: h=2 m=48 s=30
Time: h=8 m=54 s=14
